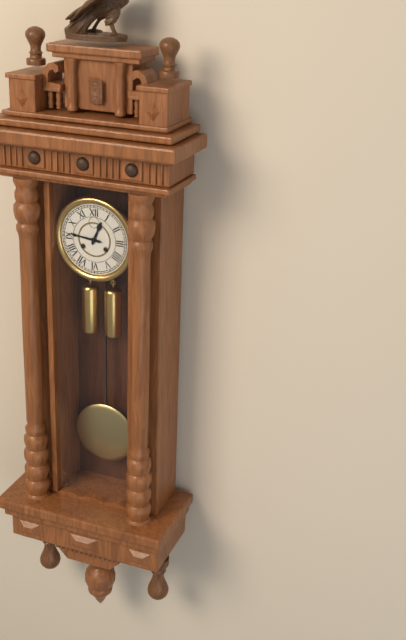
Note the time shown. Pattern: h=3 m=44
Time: h=12 m=46
